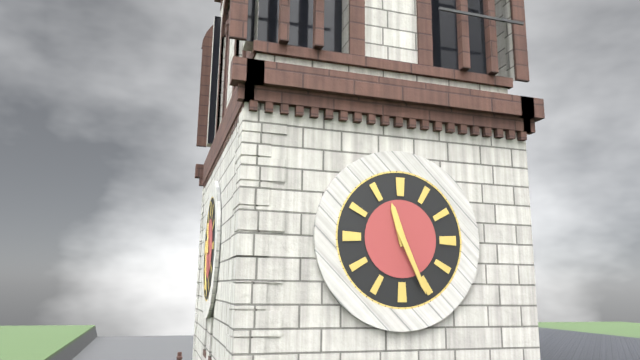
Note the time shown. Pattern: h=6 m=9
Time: h=11 m=26
